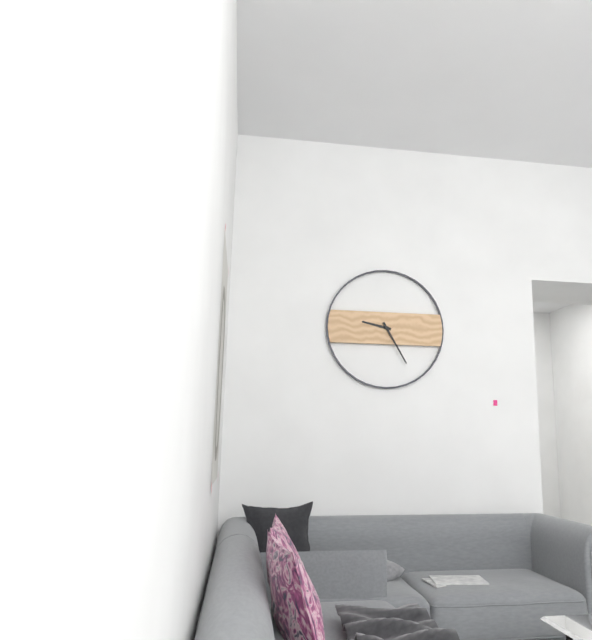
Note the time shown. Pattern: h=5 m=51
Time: h=9 m=25
